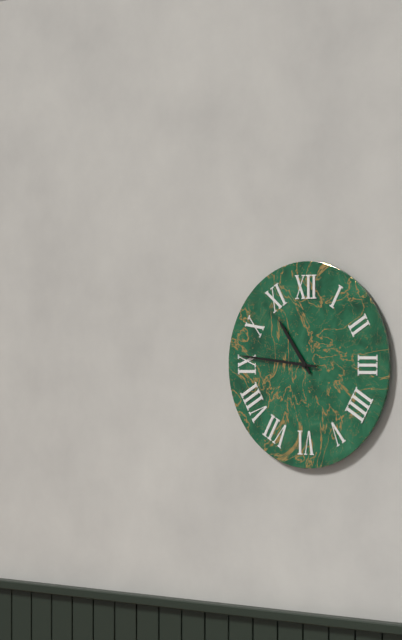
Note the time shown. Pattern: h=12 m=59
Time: h=10 m=46
